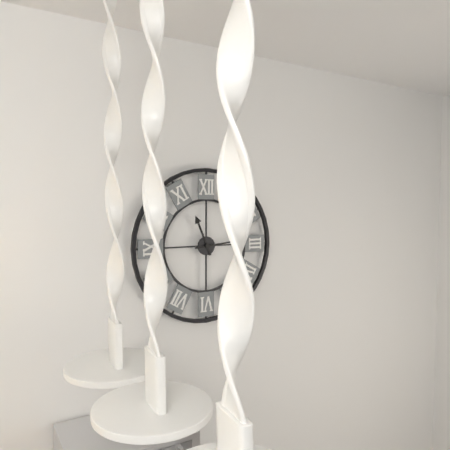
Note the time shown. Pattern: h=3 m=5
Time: h=11 m=14
